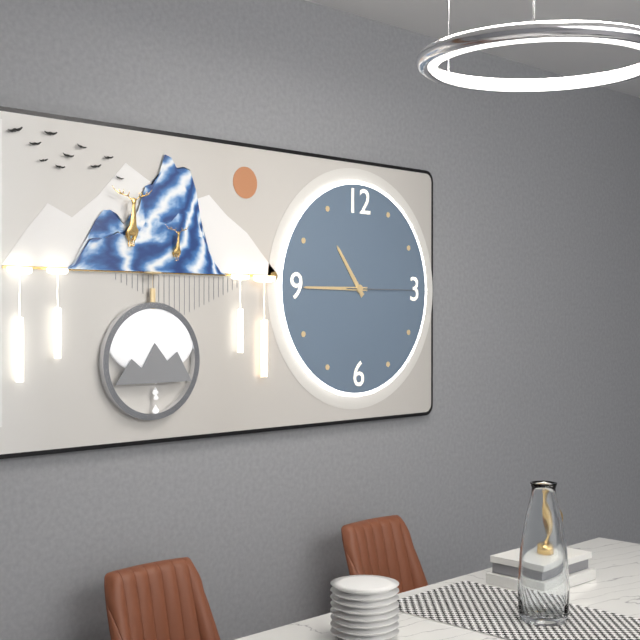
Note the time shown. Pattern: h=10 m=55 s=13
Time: h=10 m=45 s=15
